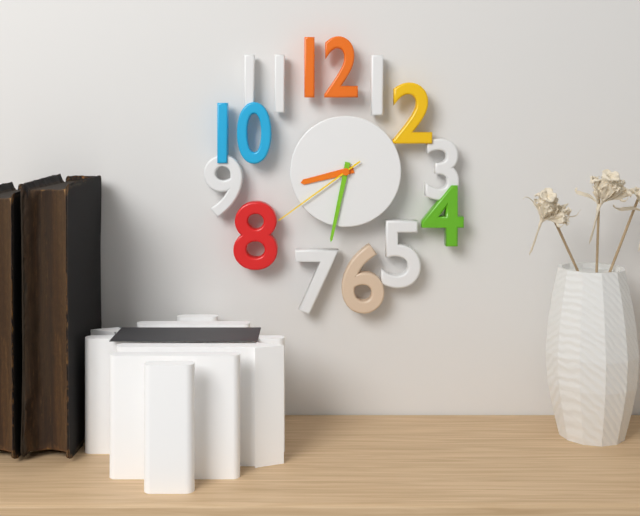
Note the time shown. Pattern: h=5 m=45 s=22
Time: h=8 m=32 s=39
